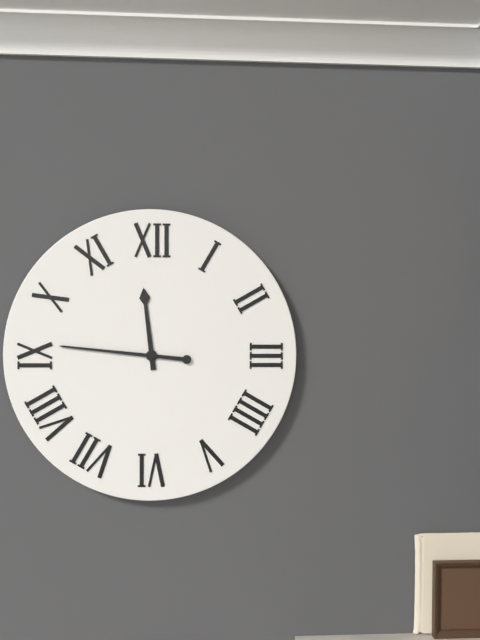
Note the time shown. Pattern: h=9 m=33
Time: h=11 m=46
